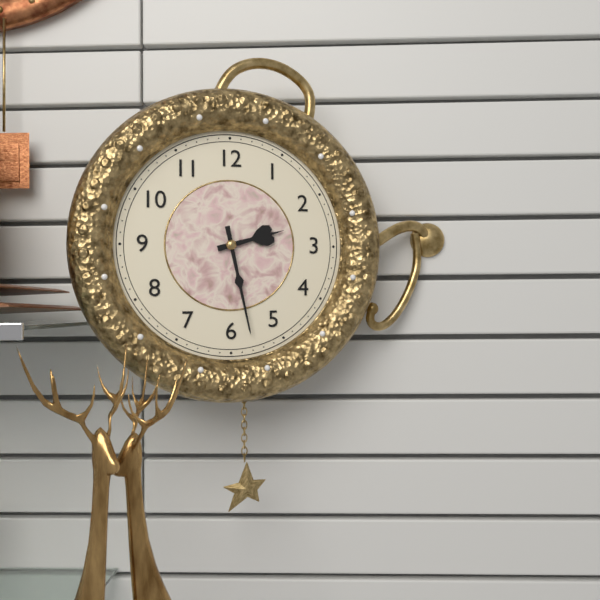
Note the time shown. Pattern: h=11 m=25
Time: h=2 m=28
